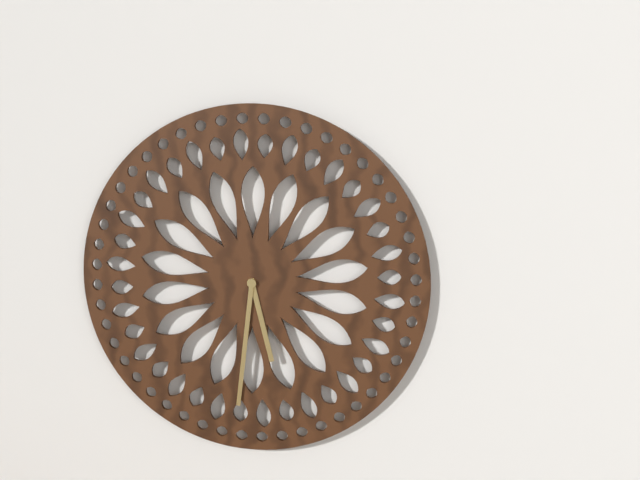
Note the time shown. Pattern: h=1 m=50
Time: h=5 m=31
